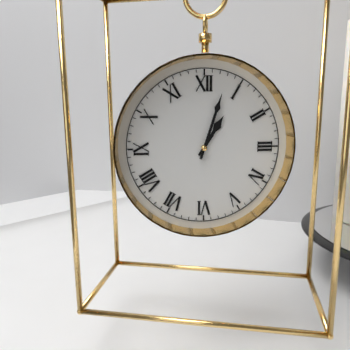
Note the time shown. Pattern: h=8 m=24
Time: h=1 m=3
